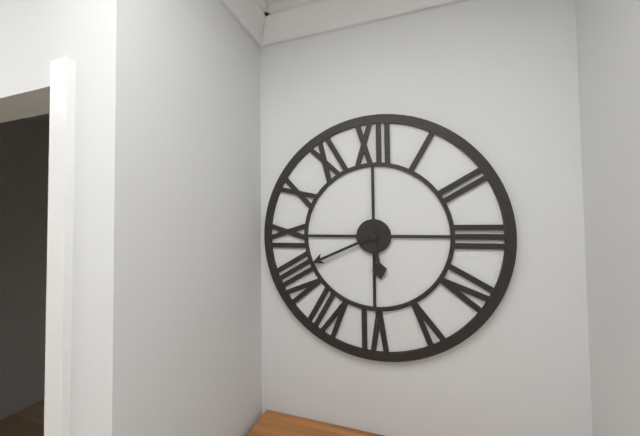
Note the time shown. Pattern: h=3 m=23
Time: h=5 m=41
